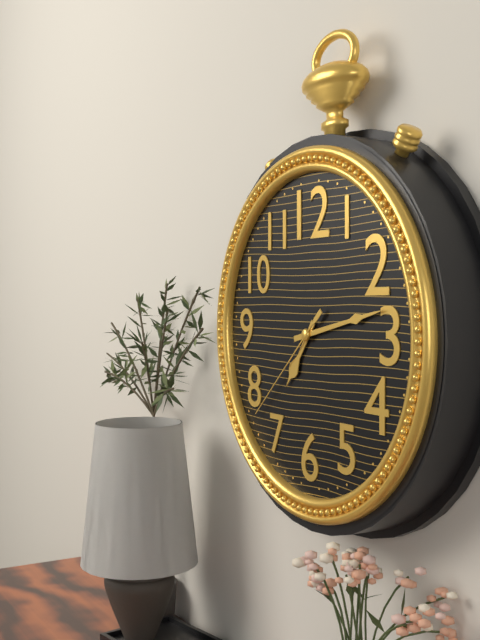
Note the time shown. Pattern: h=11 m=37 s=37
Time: h=7 m=13 s=38
